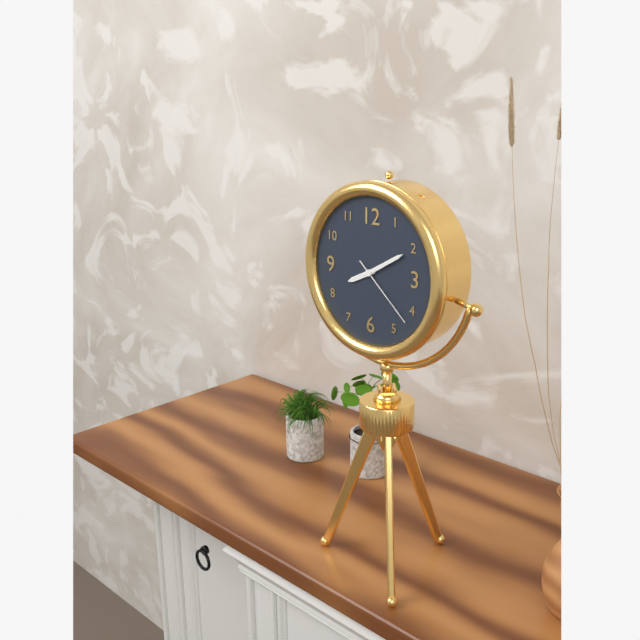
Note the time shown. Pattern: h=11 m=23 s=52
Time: h=8 m=10 s=22
